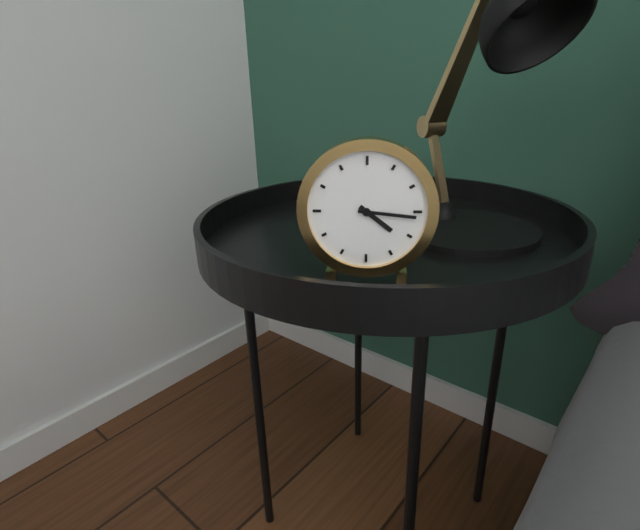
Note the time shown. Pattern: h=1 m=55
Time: h=4 m=16
